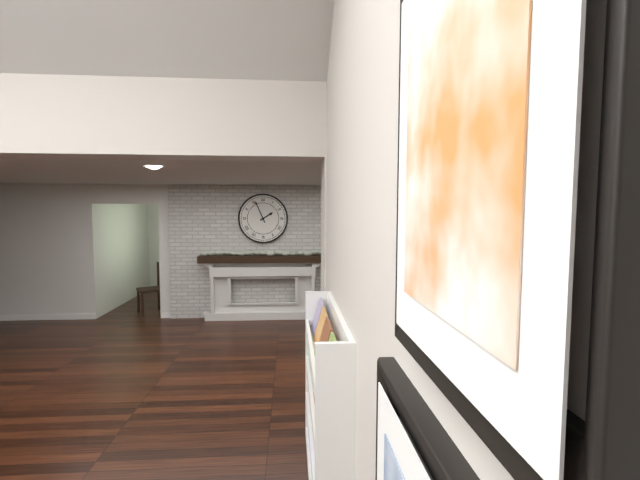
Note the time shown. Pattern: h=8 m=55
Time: h=1 m=56
